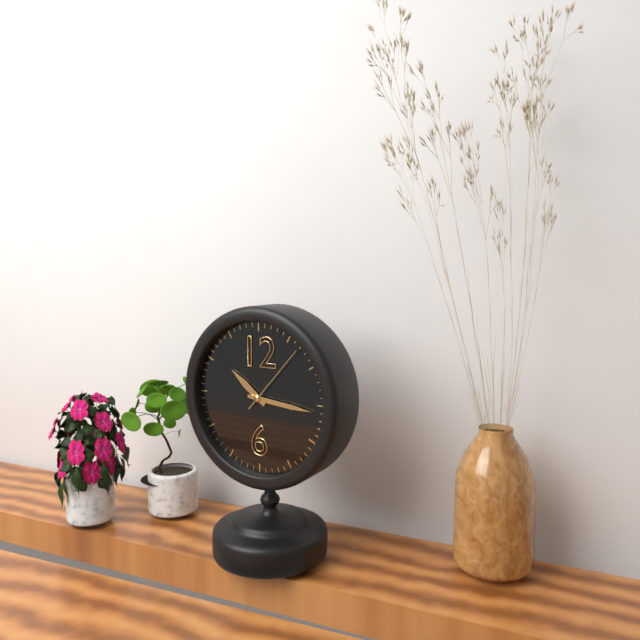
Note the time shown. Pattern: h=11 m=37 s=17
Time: h=10 m=16 s=7
